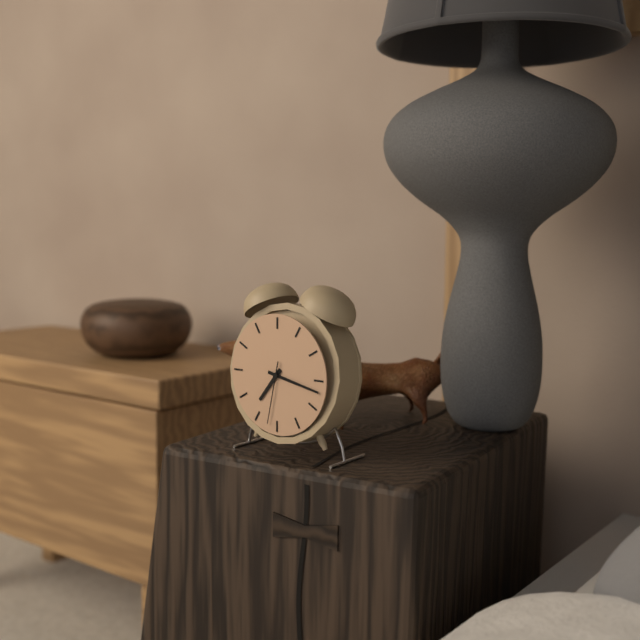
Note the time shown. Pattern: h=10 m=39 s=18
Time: h=7 m=17 s=32
